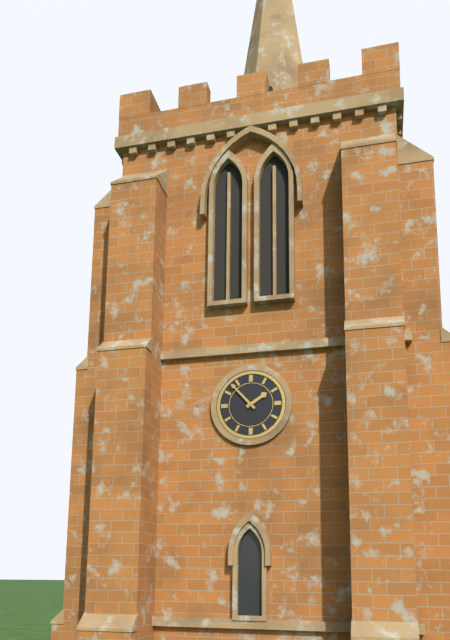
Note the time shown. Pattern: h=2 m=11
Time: h=1 m=53
